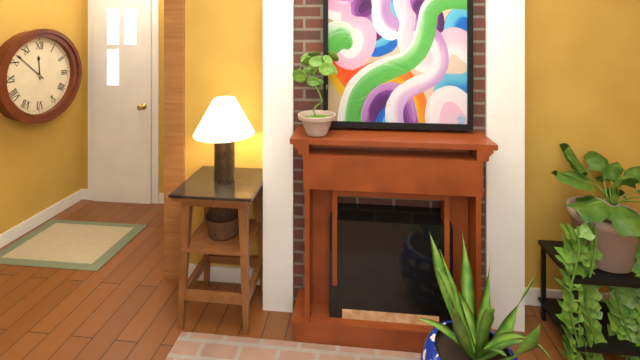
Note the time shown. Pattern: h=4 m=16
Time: h=11 m=52
